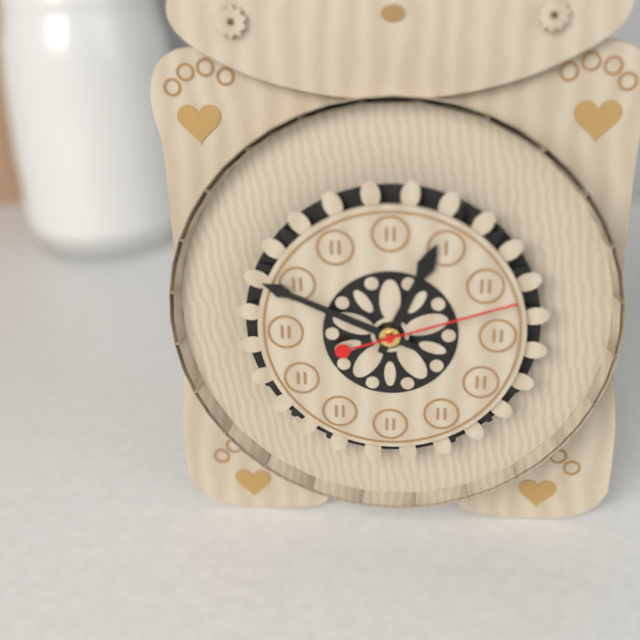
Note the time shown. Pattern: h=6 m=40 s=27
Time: h=12 m=49 s=12
